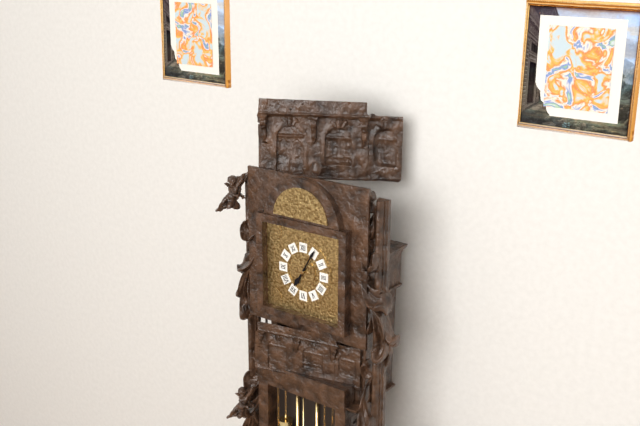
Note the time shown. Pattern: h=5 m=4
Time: h=7 m=5
